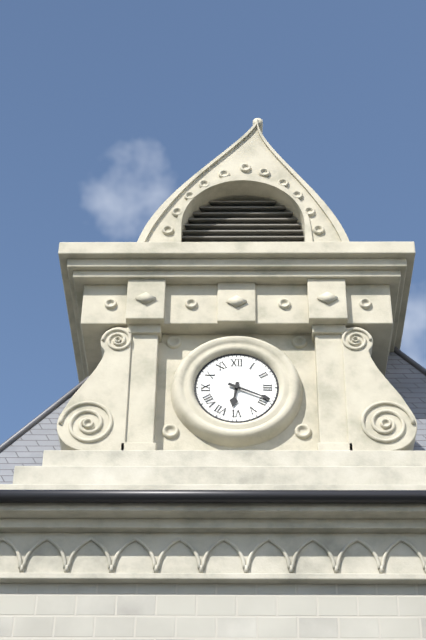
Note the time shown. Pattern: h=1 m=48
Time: h=6 m=19
